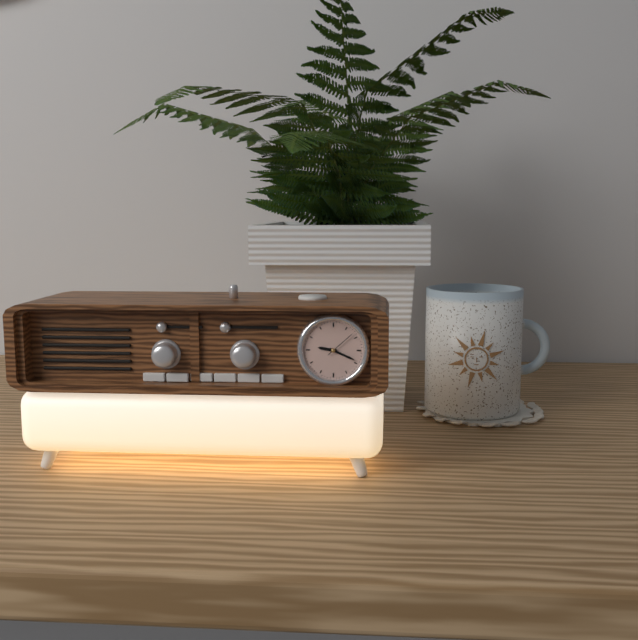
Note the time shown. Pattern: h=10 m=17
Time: h=9 m=19
